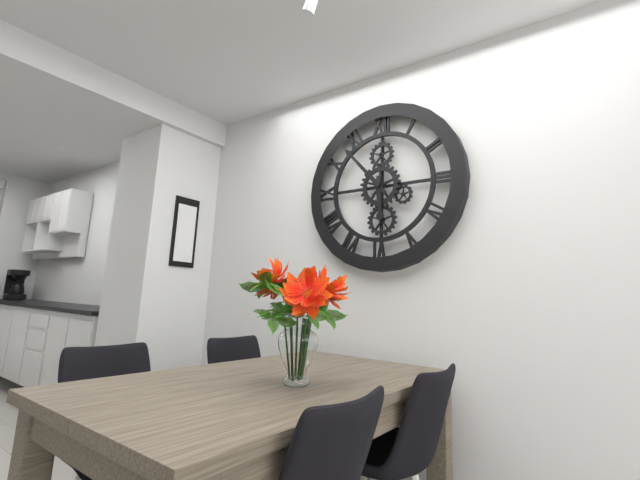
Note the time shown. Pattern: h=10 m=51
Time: h=5 m=53
